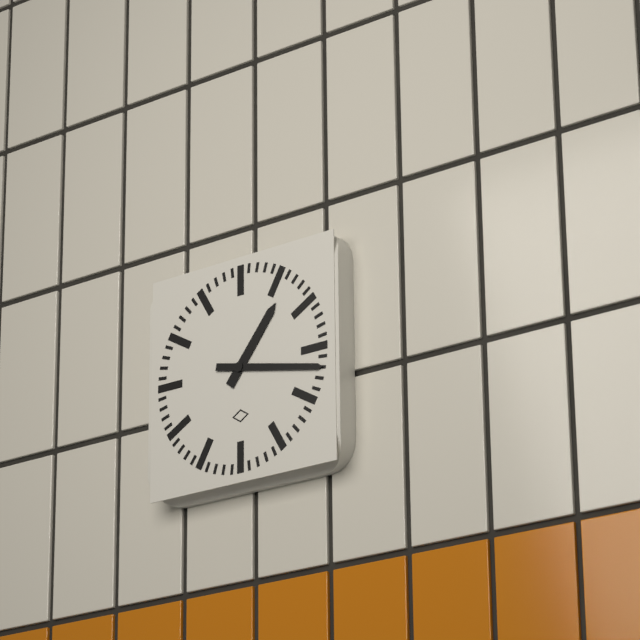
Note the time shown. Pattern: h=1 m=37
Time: h=1 m=17
